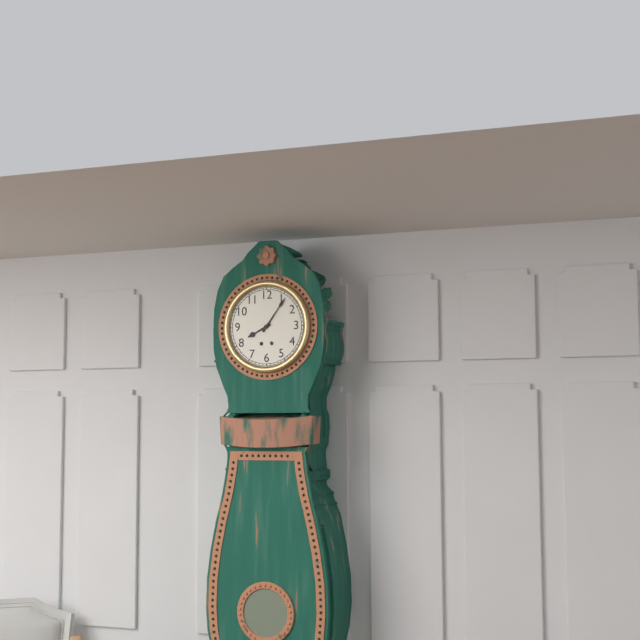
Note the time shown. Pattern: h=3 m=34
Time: h=8 m=6
